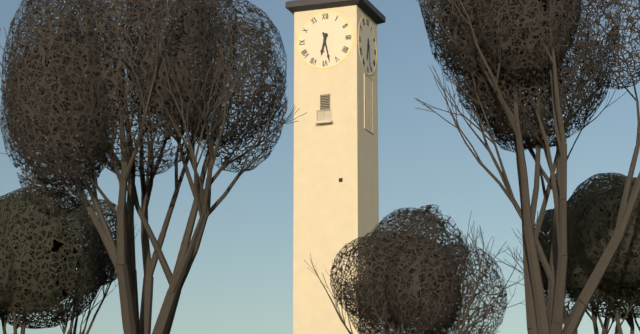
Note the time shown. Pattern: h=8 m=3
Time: h=6 m=28
